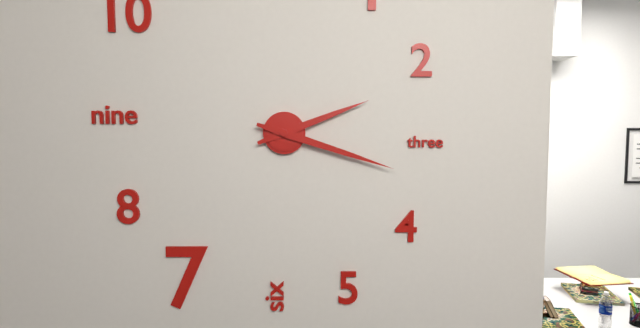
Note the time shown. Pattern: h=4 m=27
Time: h=2 m=18
